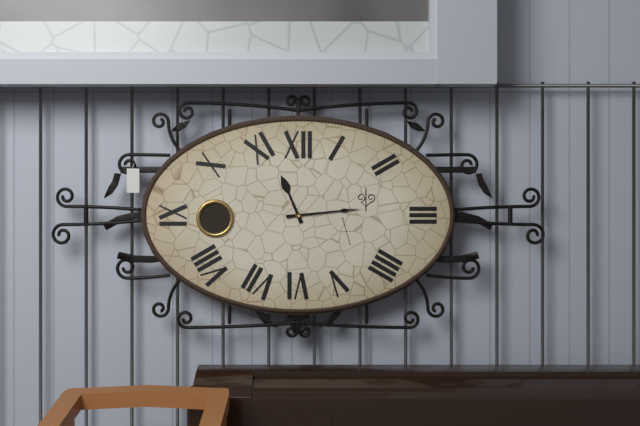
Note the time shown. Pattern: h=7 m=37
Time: h=11 m=14
